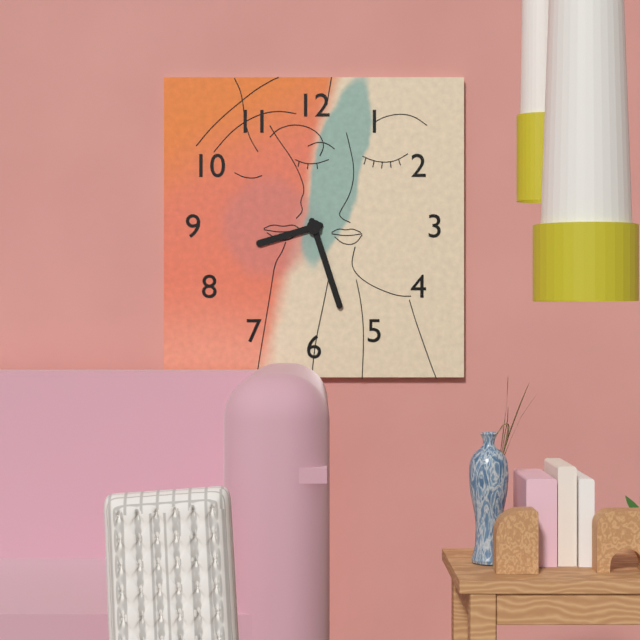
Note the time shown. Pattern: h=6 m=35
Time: h=8 m=27
